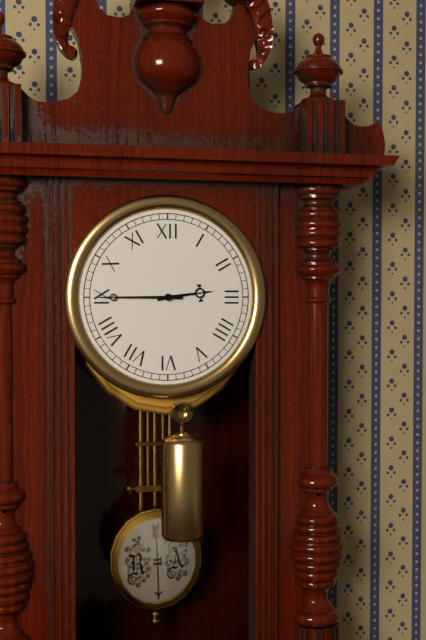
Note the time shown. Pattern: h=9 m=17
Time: h=2 m=45
